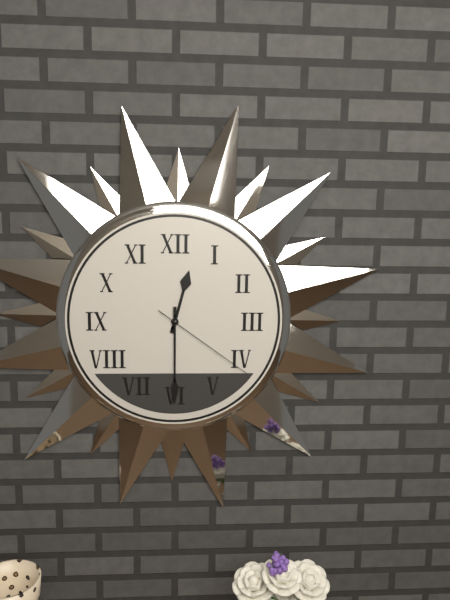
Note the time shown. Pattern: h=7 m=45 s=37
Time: h=12 m=30 s=21
